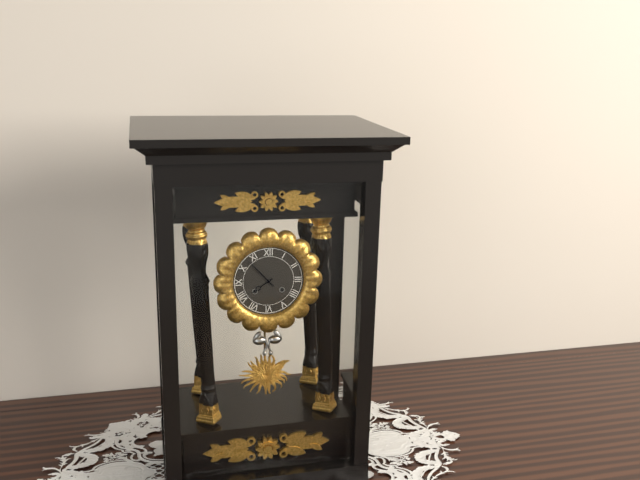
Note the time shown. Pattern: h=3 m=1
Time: h=7 m=53
